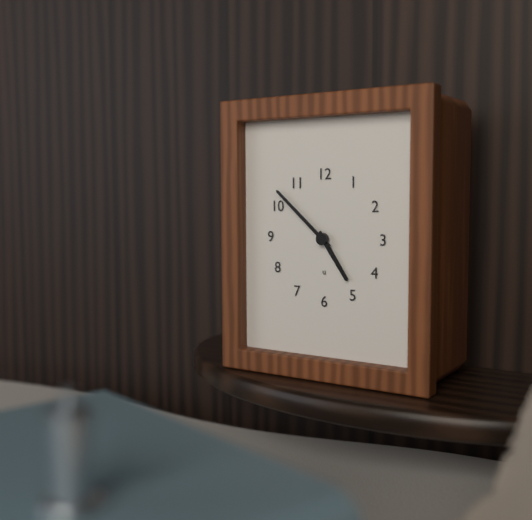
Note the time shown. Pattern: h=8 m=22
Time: h=4 m=52
